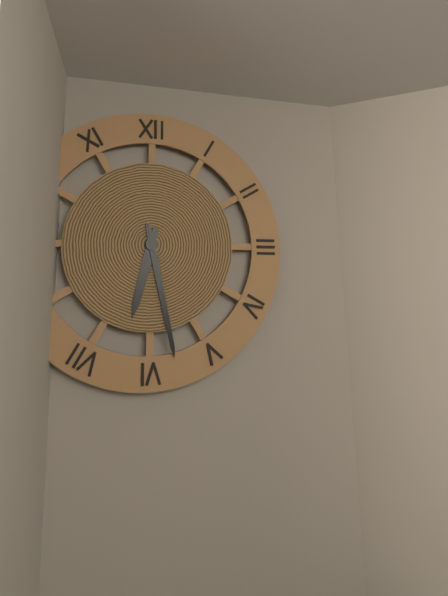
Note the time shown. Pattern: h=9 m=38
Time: h=6 m=28
